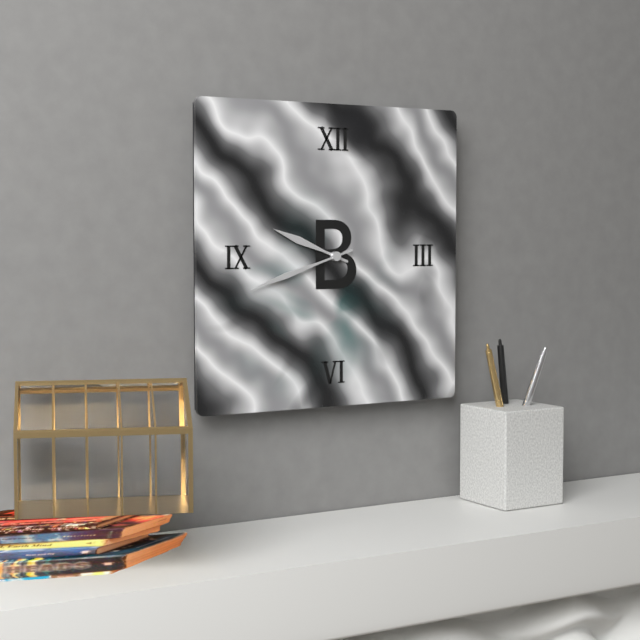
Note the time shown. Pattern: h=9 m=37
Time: h=9 m=42
